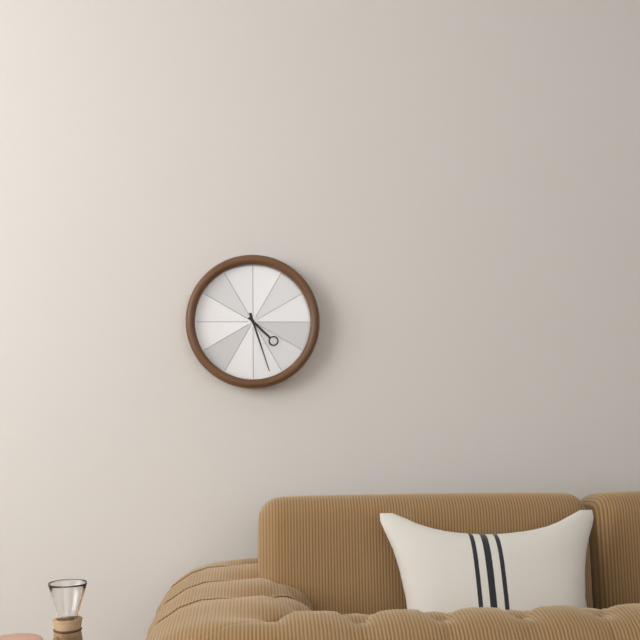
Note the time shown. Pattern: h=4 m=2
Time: h=4 m=27
